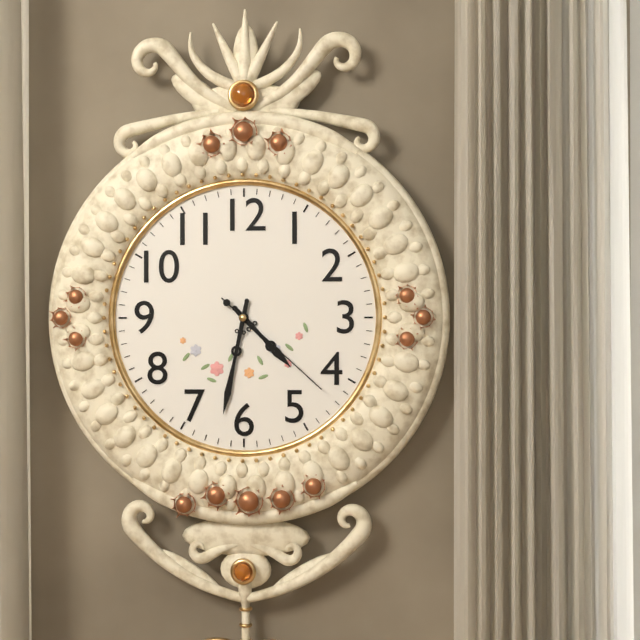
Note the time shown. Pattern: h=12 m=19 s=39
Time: h=4 m=32 s=22
